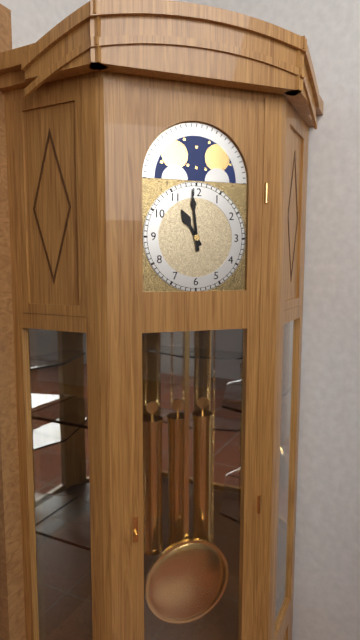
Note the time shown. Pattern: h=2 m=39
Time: h=10 m=59
